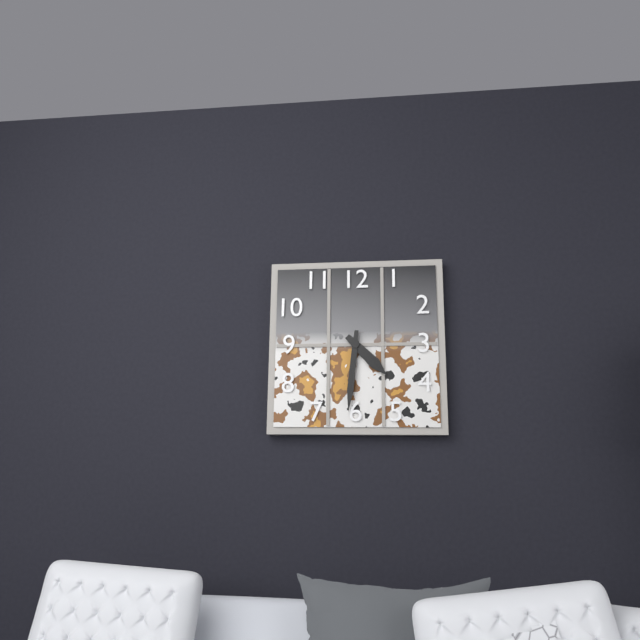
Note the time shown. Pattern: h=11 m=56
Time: h=4 m=31
